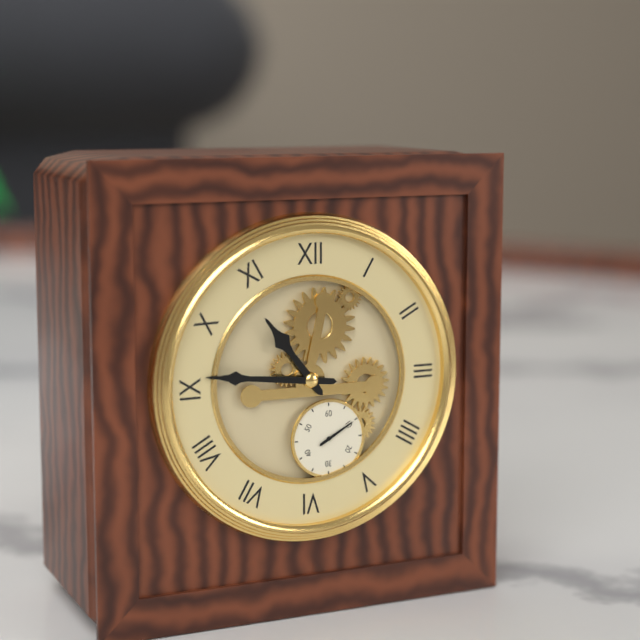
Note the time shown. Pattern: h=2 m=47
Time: h=10 m=46
